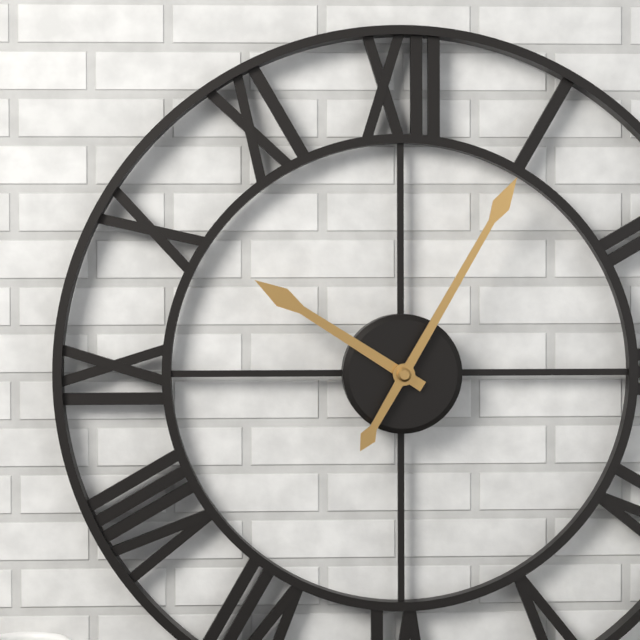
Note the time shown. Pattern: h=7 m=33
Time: h=10 m=5
